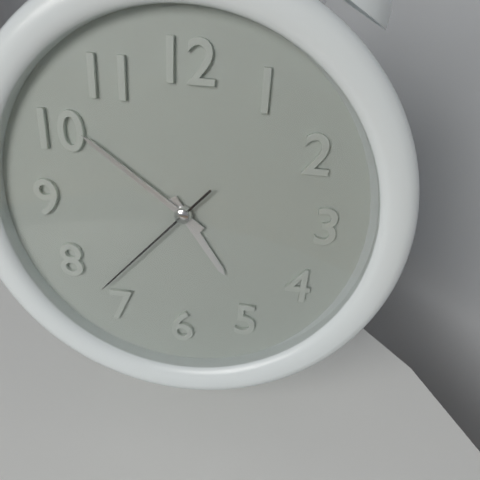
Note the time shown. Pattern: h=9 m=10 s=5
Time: h=4 m=51 s=37
